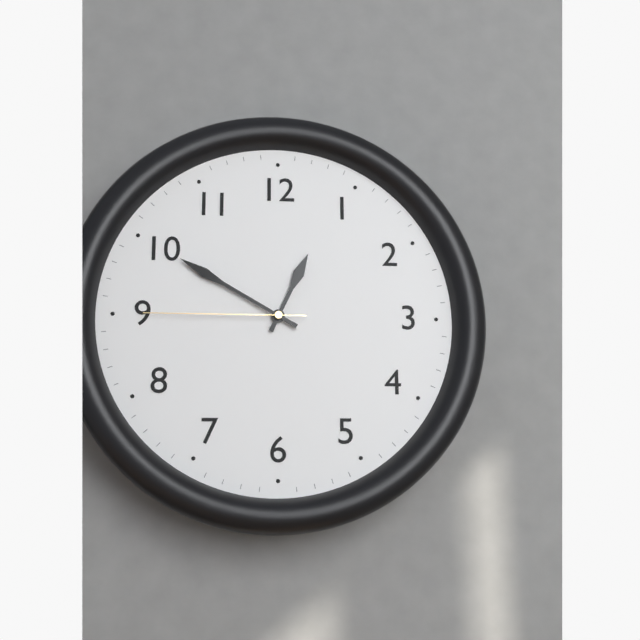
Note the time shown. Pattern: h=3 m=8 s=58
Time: h=12 m=50 s=45
